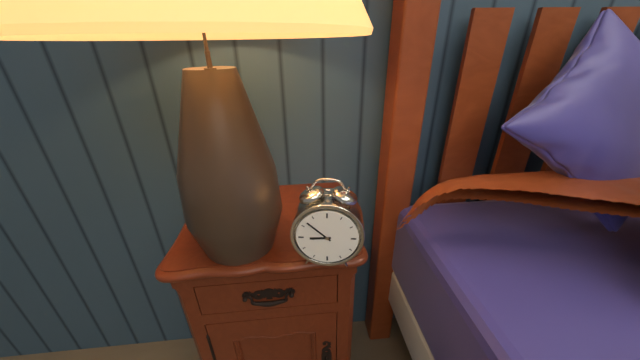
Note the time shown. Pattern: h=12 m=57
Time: h=8 m=52
